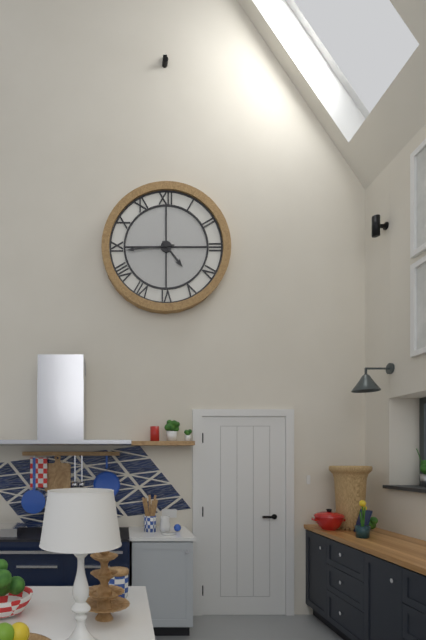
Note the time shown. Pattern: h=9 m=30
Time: h=4 m=44
